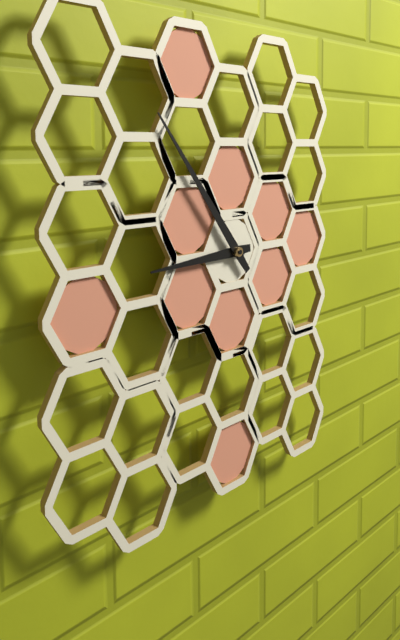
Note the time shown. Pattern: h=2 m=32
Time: h=8 m=54
